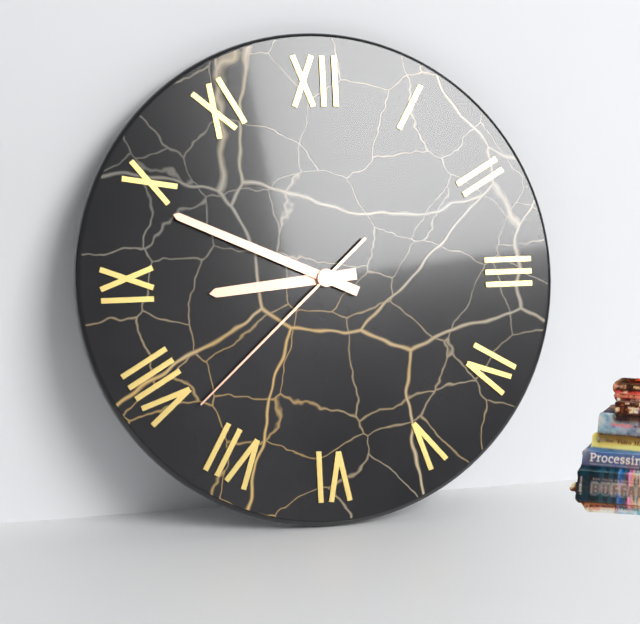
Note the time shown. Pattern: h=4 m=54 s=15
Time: h=8 m=49 s=38
